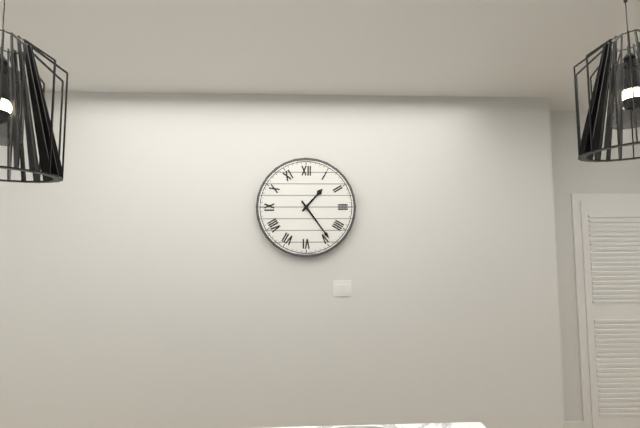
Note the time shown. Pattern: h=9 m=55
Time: h=1 m=24
